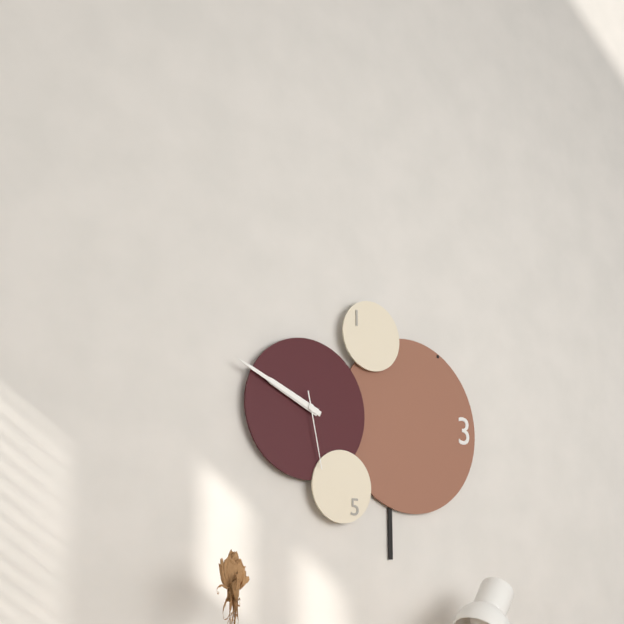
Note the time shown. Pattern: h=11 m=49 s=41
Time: h=9 m=49 s=28
